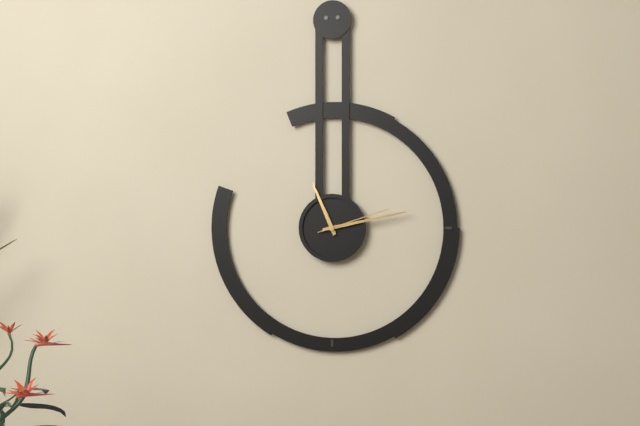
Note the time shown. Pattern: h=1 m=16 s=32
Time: h=11 m=13 s=12
